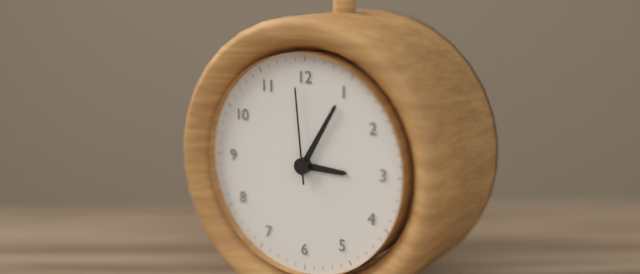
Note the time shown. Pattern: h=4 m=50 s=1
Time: h=3 m=5 s=59
